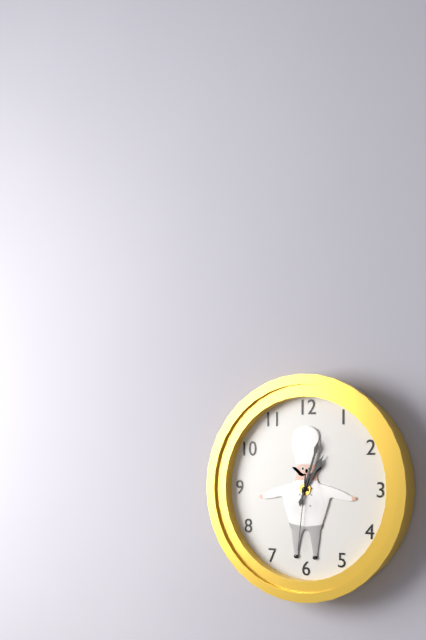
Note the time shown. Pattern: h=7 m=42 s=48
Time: h=1 m=3 s=31
